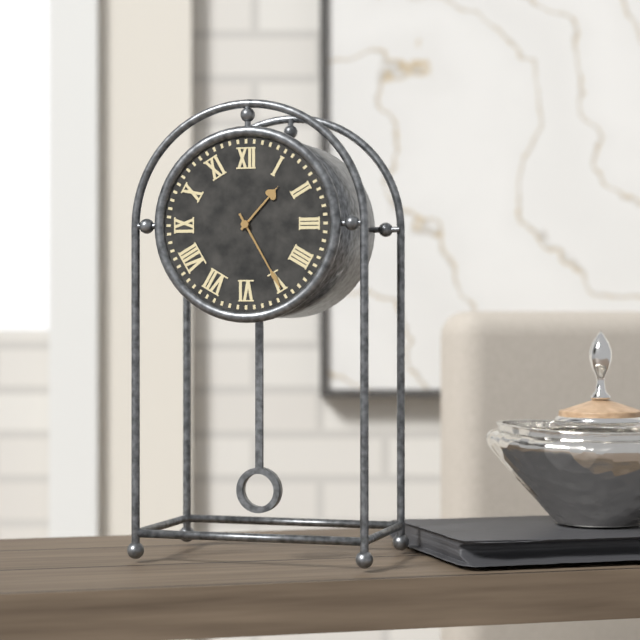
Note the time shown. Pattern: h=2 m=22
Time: h=1 m=25
